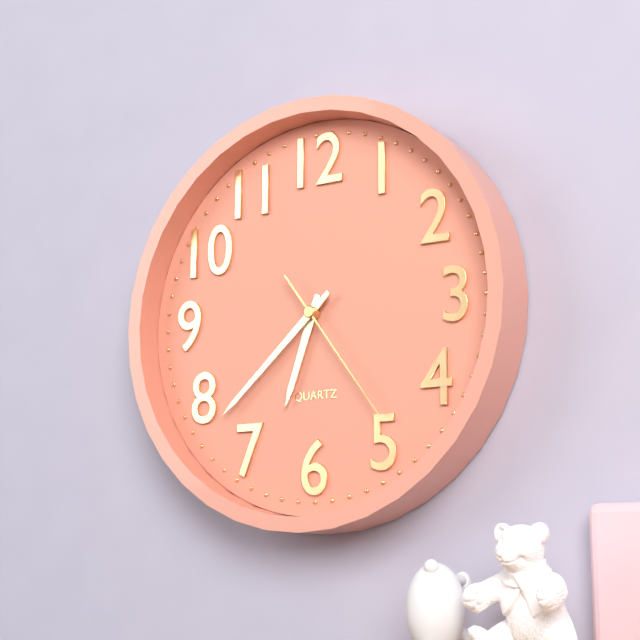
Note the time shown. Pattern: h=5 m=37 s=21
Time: h=6 m=38 s=24
